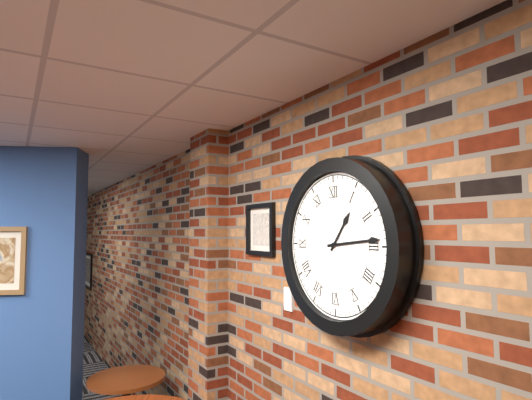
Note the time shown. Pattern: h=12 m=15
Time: h=1 m=14
